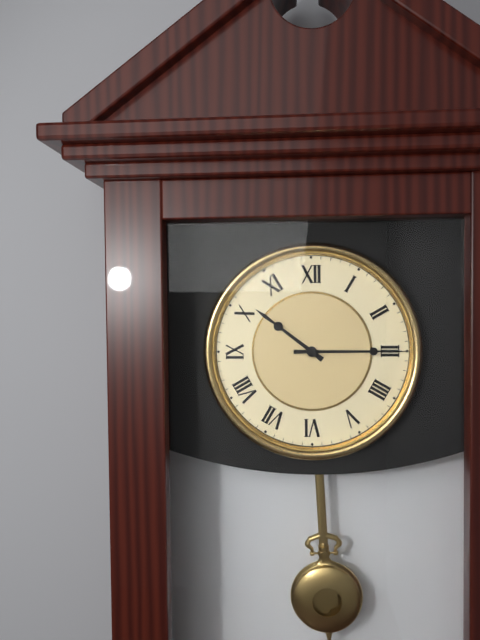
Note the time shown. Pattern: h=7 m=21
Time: h=10 m=15
